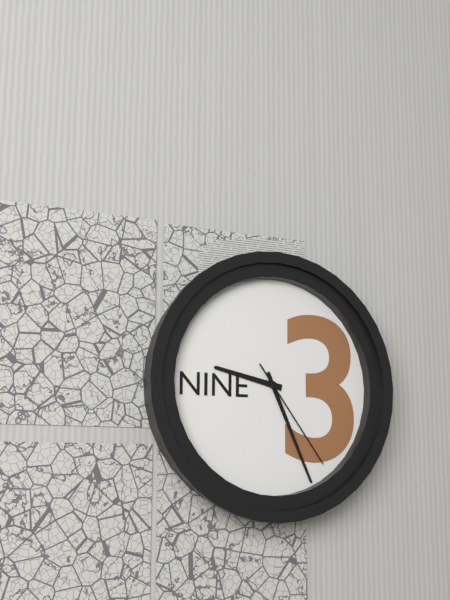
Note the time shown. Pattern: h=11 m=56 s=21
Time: h=9 m=26 s=24
